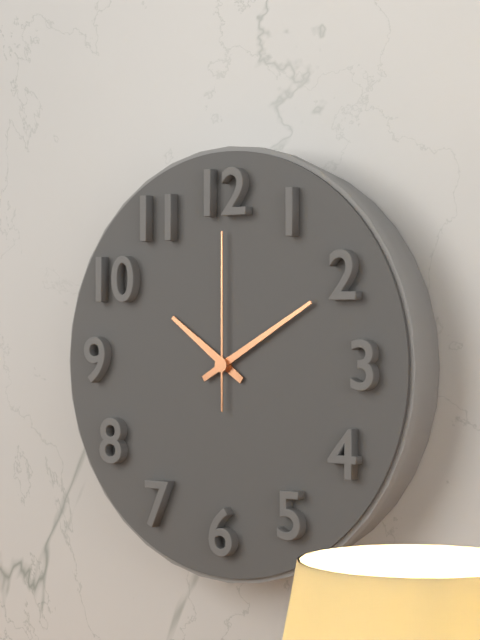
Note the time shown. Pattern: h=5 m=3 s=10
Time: h=10 m=10 s=0
